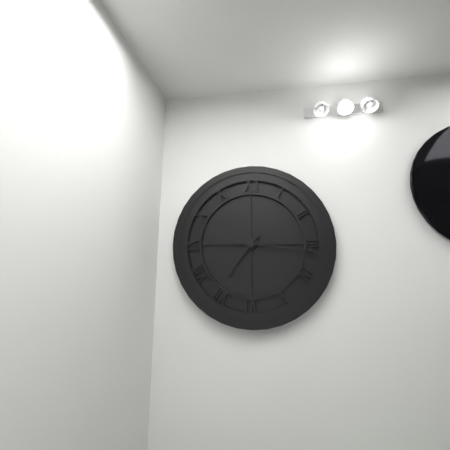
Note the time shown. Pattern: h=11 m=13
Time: h=7 m=16
